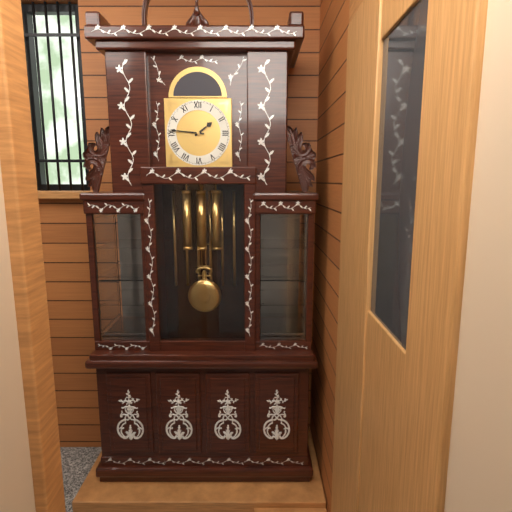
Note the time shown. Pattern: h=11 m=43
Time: h=1 m=46
